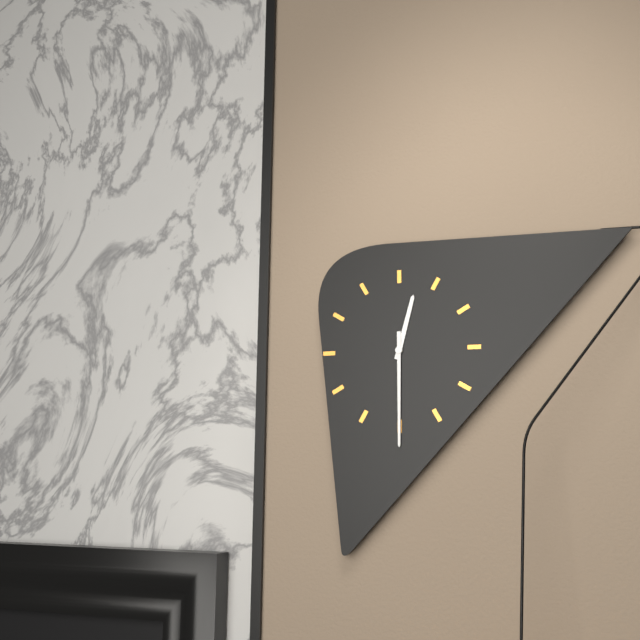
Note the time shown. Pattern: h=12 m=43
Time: h=12 m=30
